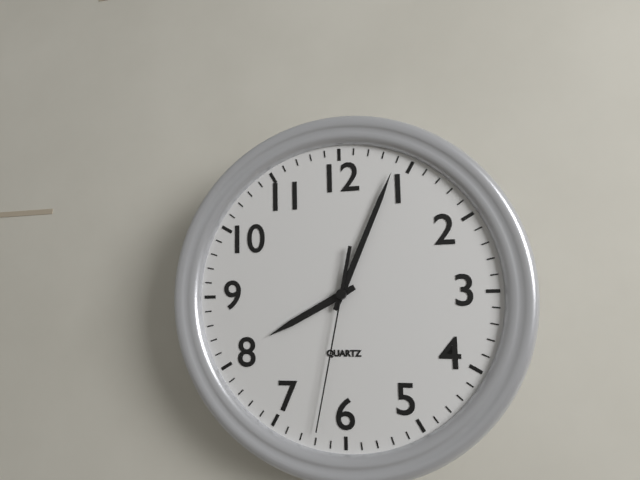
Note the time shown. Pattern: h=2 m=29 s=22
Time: h=8 m=4 s=32
